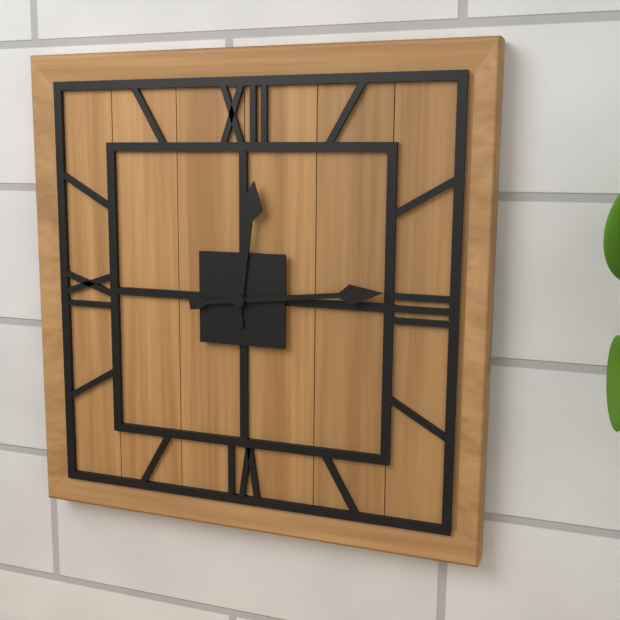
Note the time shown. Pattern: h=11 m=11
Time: h=12 m=14
